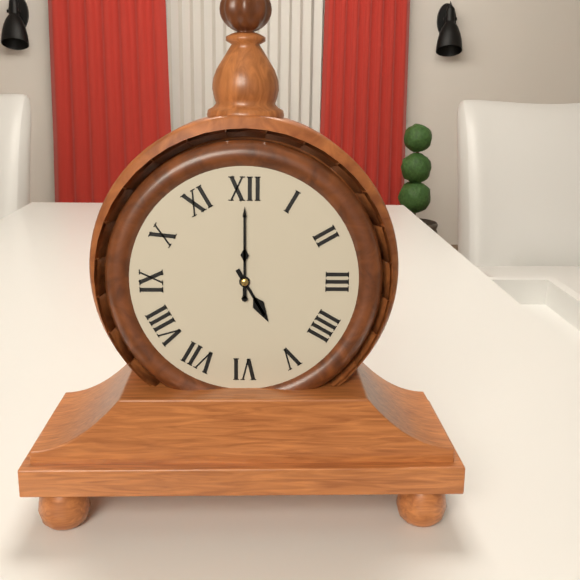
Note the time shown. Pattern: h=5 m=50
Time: h=5 m=0
